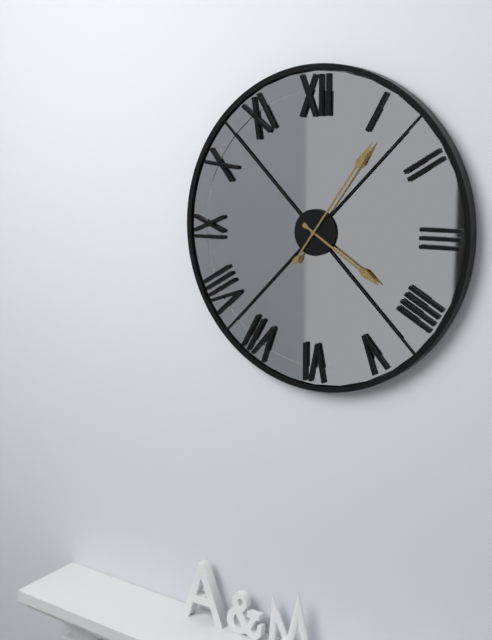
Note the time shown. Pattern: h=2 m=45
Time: h=4 m=6
